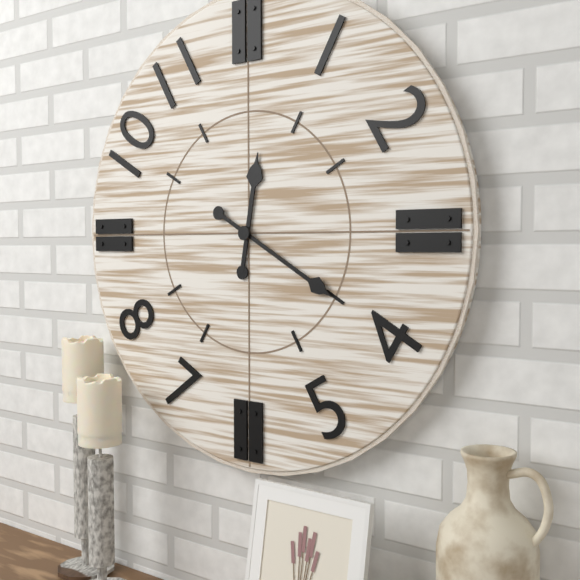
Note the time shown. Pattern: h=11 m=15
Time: h=12 m=20
